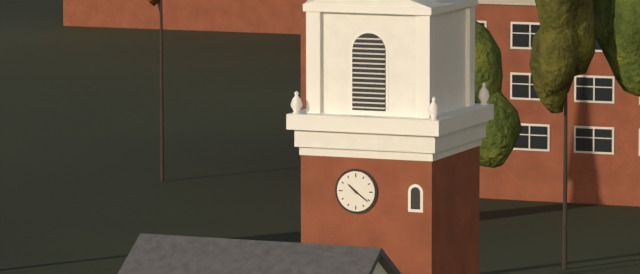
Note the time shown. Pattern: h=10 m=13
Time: h=10 m=21
